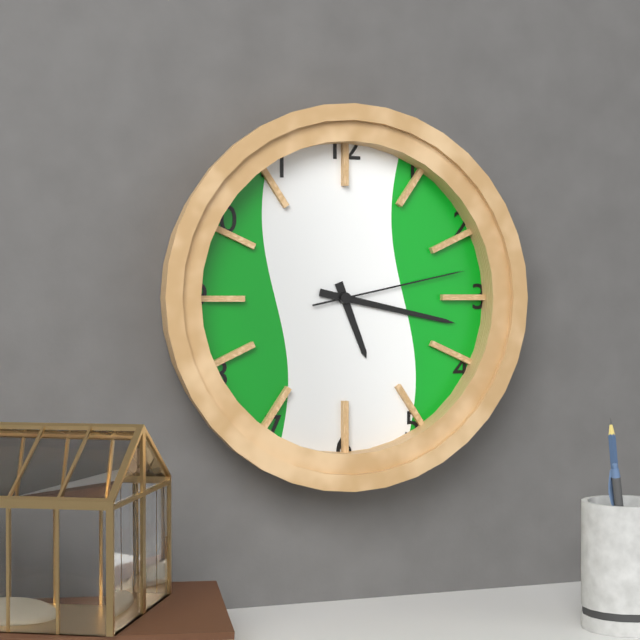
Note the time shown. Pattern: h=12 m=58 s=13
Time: h=5 m=17 s=13
